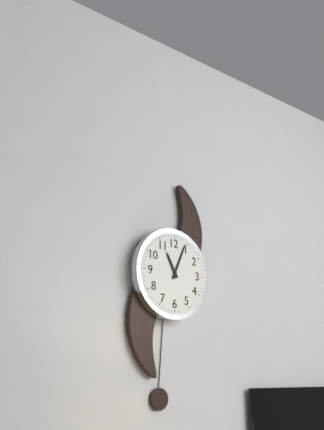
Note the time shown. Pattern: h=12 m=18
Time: h=11 m=4
